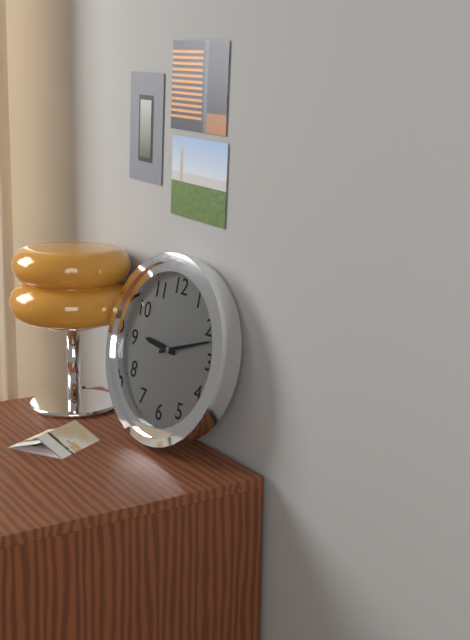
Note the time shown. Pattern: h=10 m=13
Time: h=9 m=12
